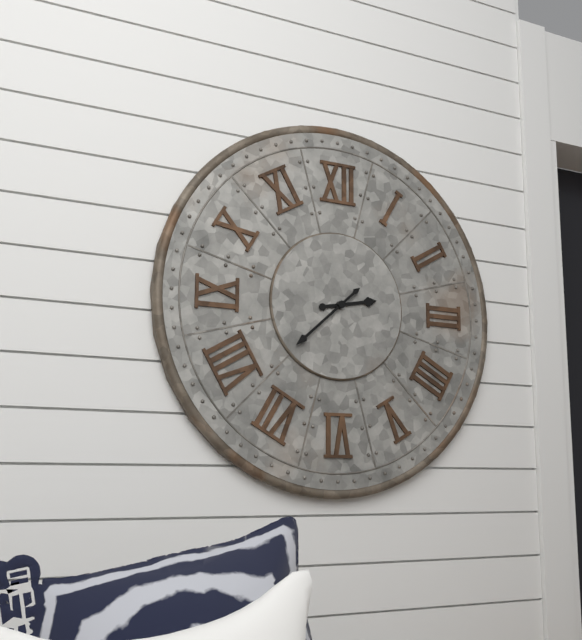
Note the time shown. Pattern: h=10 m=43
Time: h=2 m=38
